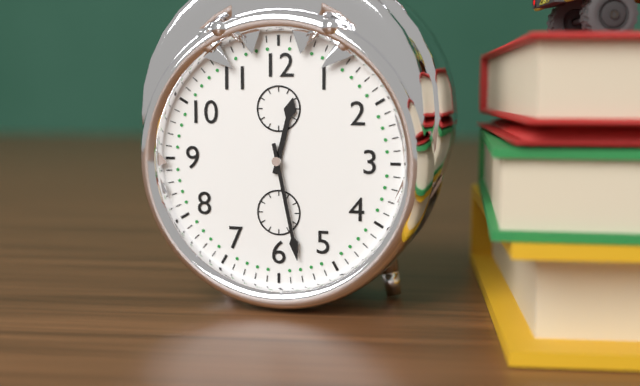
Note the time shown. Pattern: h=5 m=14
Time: h=12 m=28
